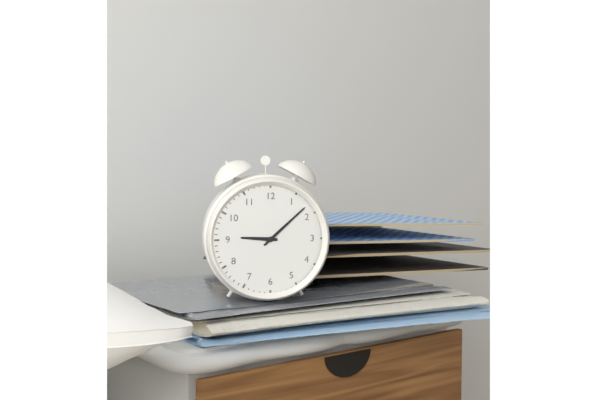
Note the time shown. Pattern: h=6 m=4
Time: h=9 m=8
